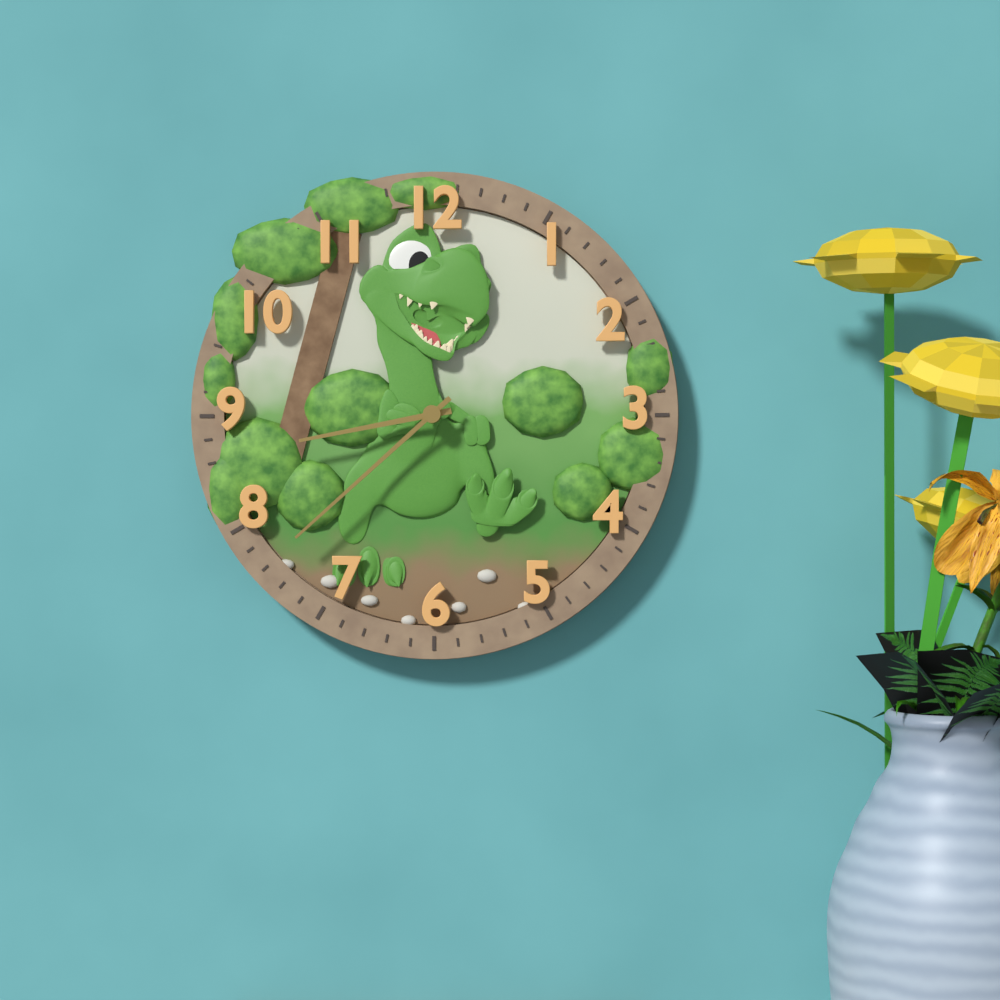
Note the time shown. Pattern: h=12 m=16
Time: h=8 m=38
